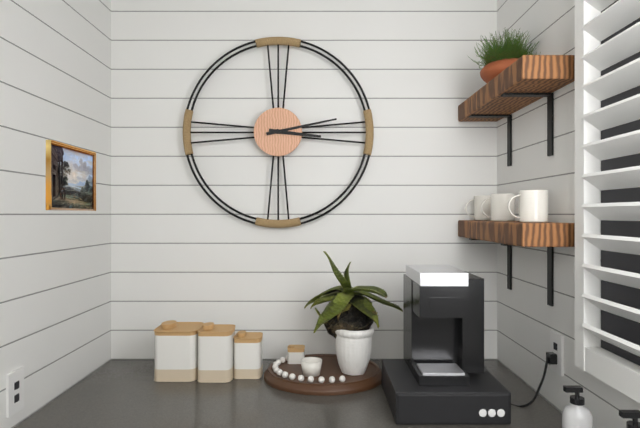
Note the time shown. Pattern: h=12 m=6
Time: h=3 m=13
